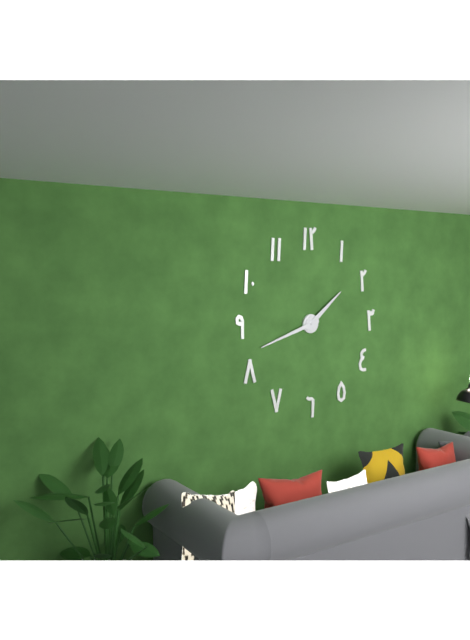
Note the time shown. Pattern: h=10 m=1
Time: h=1 m=42
